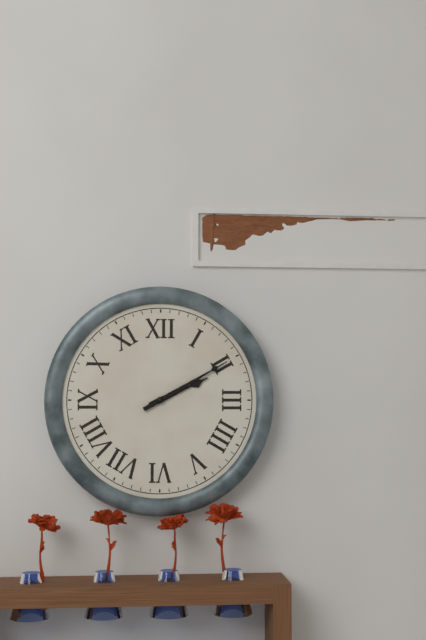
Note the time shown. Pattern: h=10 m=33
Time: h=2 m=10
